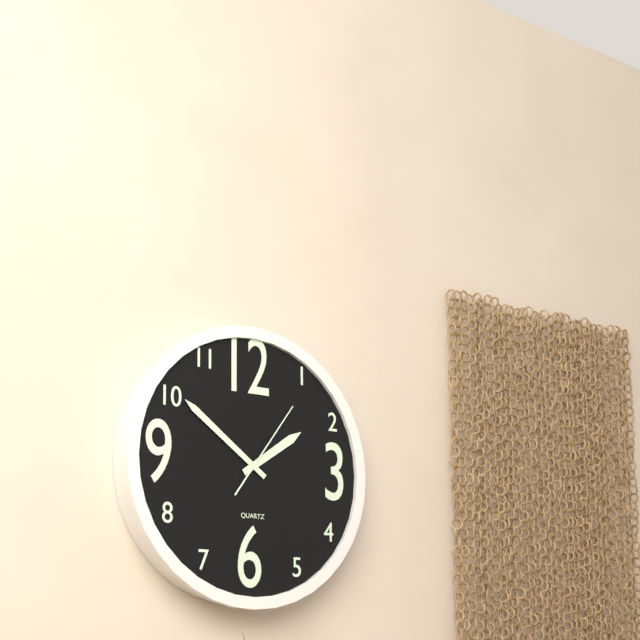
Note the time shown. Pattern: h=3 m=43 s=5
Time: h=1 m=51 s=6
